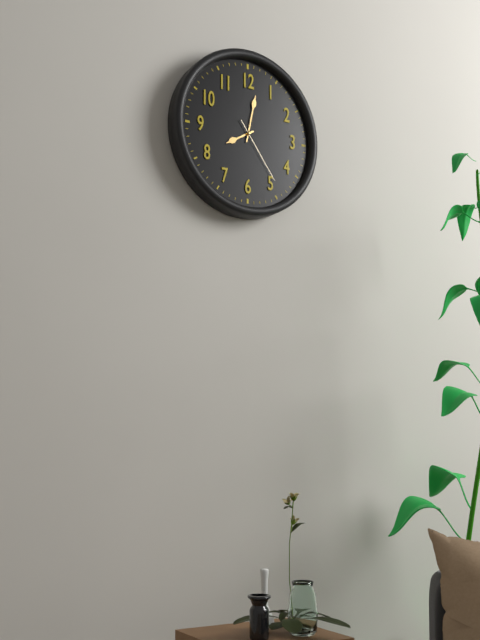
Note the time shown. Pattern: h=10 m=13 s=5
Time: h=8 m=2 s=24
